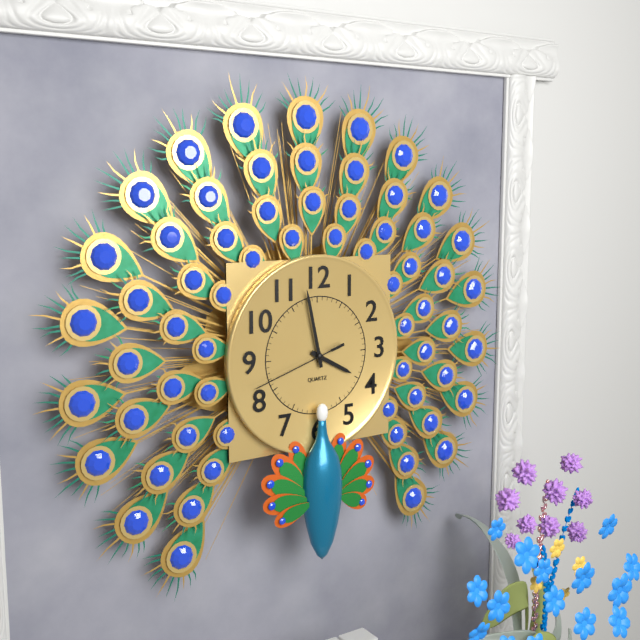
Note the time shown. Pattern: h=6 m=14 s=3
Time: h=3 m=58 s=42
